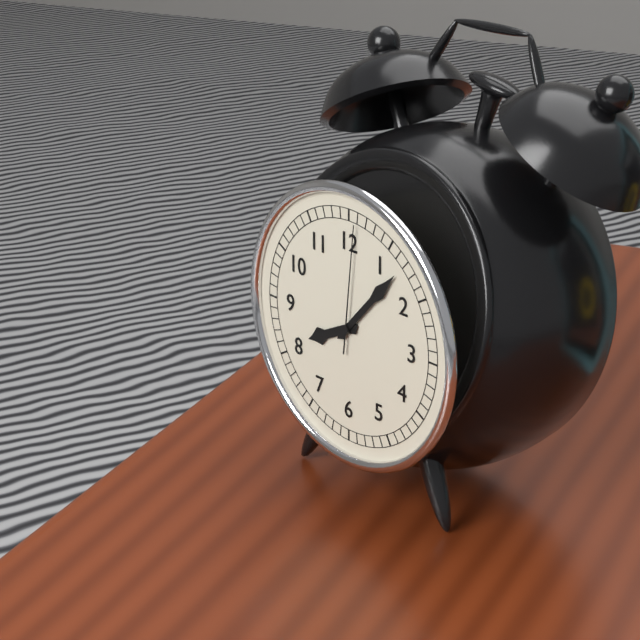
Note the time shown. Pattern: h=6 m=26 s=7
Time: h=8 m=7 s=1
